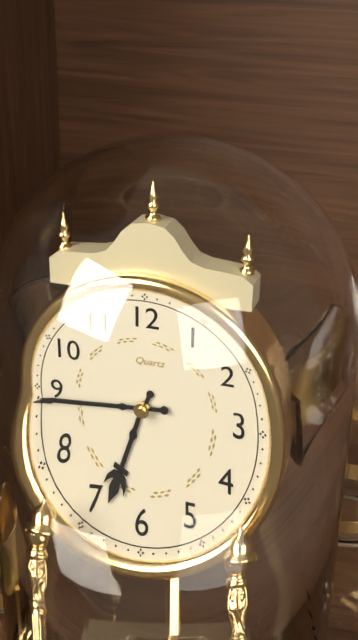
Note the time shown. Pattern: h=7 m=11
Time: h=6 m=44
